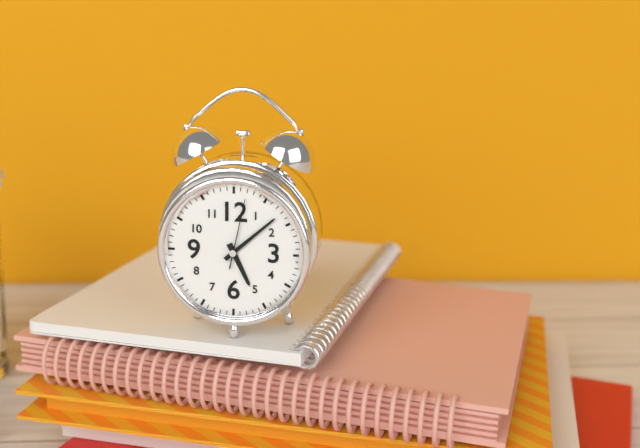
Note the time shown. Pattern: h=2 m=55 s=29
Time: h=5 m=8 s=2
